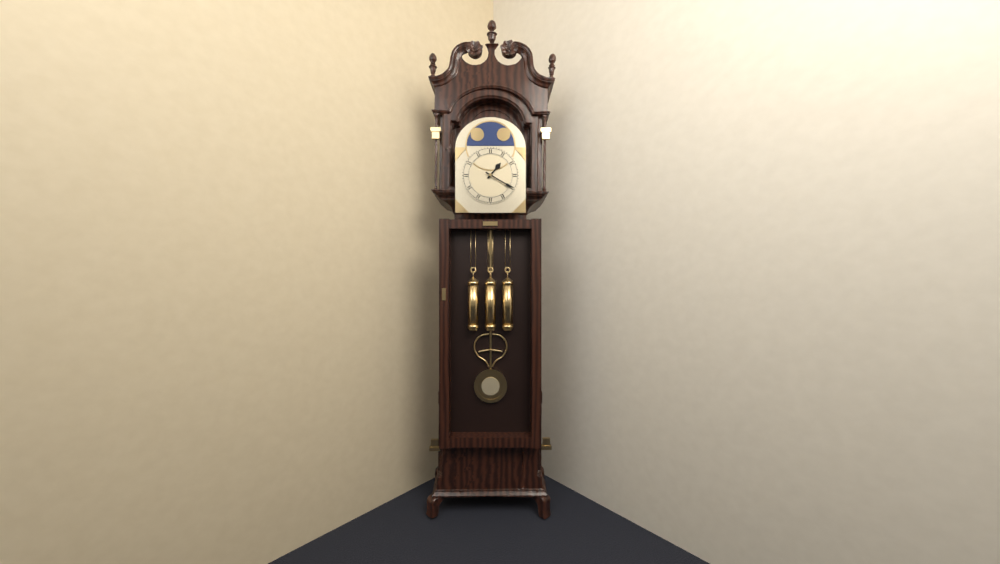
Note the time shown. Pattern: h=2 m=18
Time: h=1 m=20
